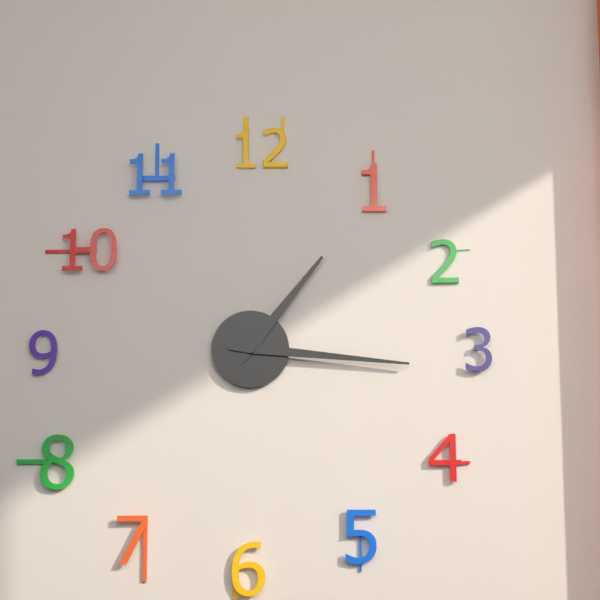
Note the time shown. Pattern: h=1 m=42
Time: h=1 m=16
